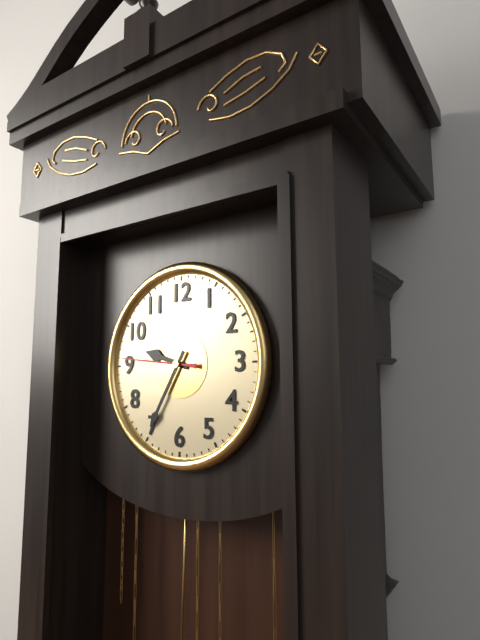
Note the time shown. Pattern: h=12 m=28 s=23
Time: h=9 m=35 s=46
